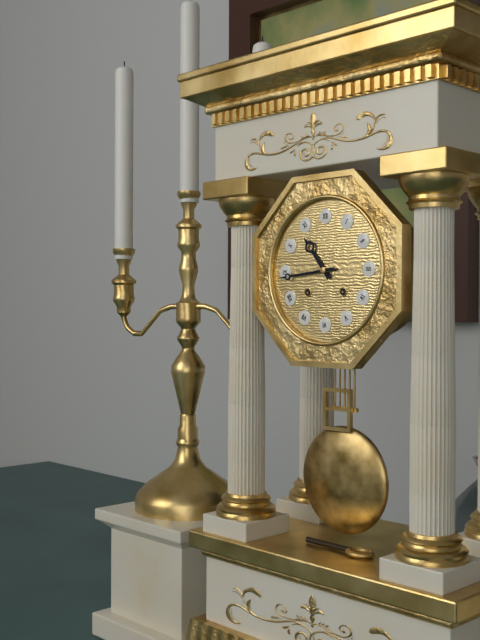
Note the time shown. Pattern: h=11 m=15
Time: h=10 m=44
